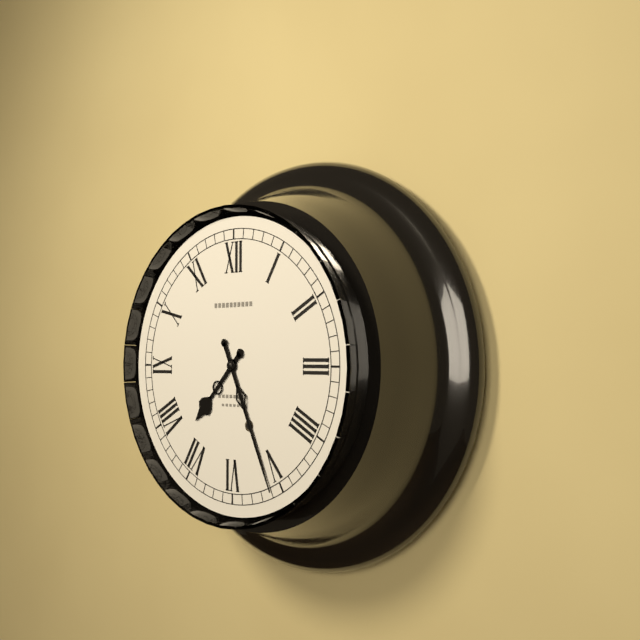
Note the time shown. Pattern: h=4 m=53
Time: h=7 m=26
